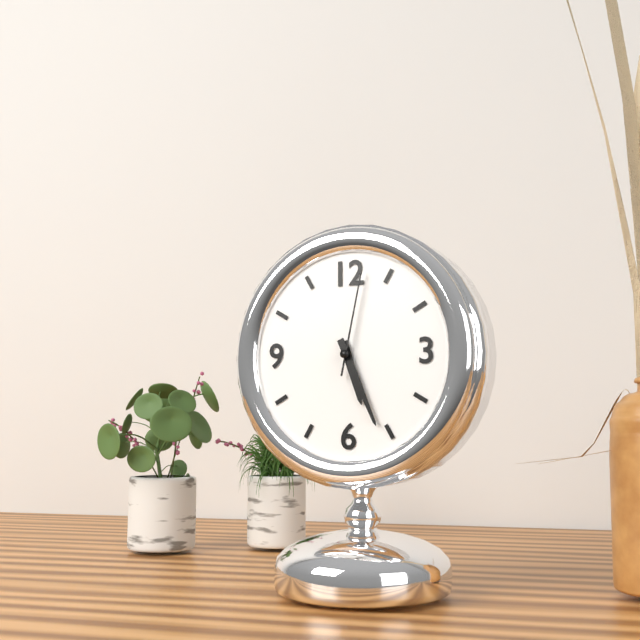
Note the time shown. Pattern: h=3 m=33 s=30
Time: h=5 m=26 s=2
